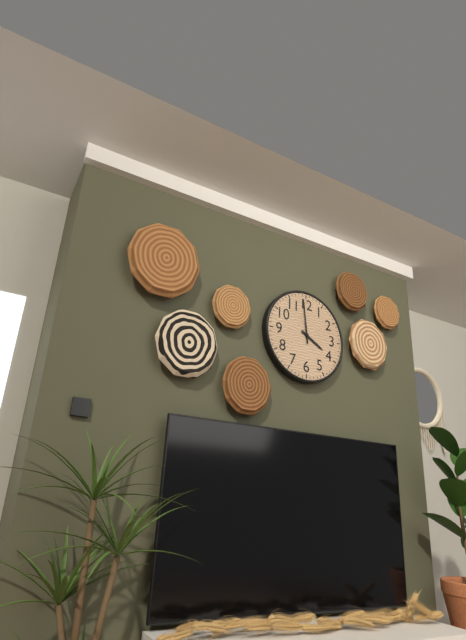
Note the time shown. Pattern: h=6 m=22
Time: h=3 m=59
